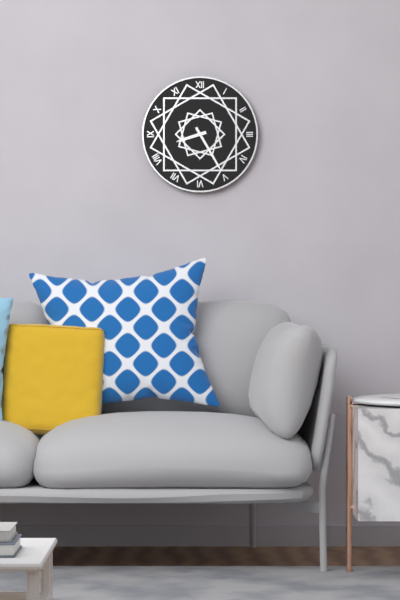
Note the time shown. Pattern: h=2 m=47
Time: h=8 m=25
